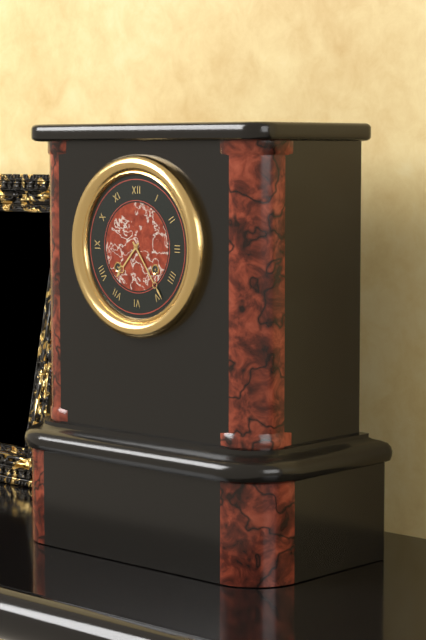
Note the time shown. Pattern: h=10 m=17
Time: h=7 m=24
